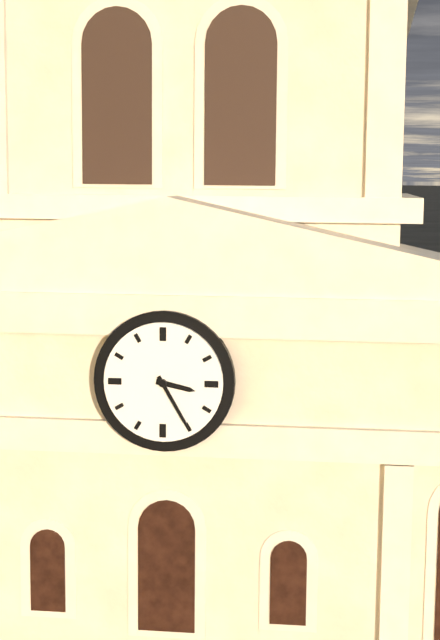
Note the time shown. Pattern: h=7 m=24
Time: h=3 m=25
